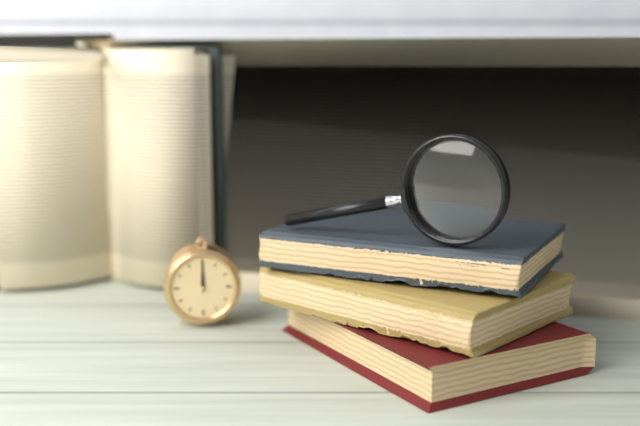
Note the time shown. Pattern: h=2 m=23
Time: h=12 m=0
